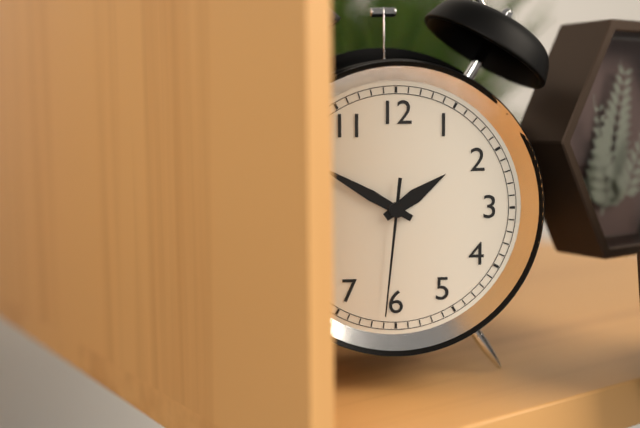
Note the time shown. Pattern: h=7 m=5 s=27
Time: h=1 m=50 s=31
